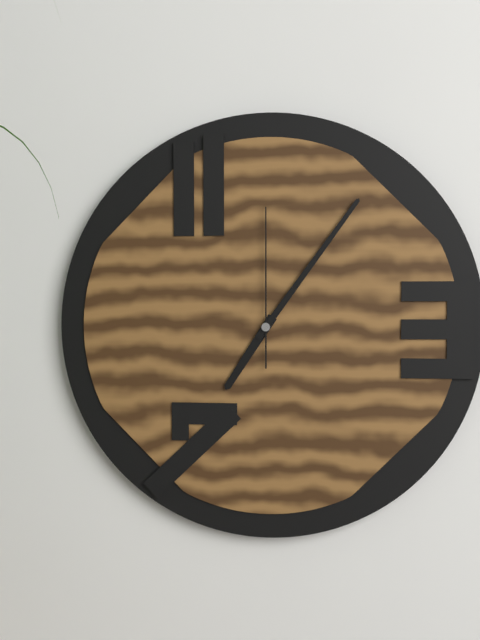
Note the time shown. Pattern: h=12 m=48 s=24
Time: h=7 m=6 s=0
